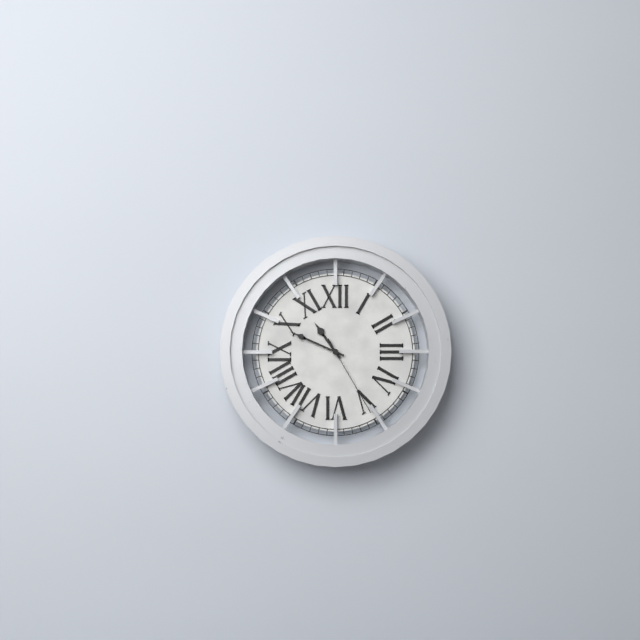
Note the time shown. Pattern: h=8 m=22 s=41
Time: h=10 m=49 s=25
